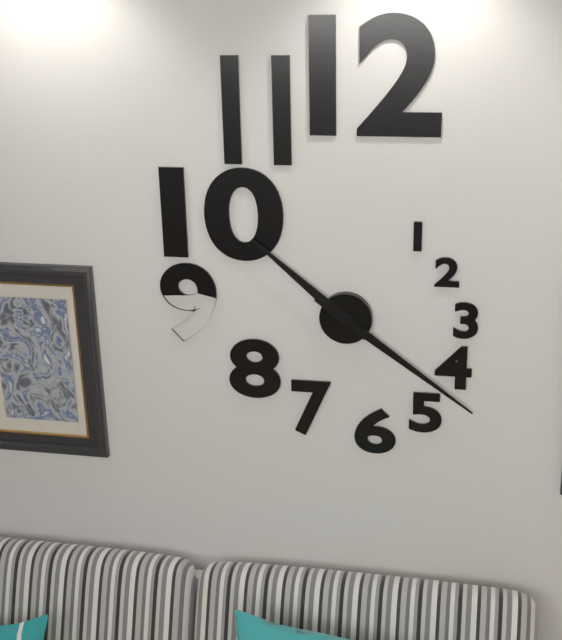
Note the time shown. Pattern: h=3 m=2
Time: h=10 m=21
